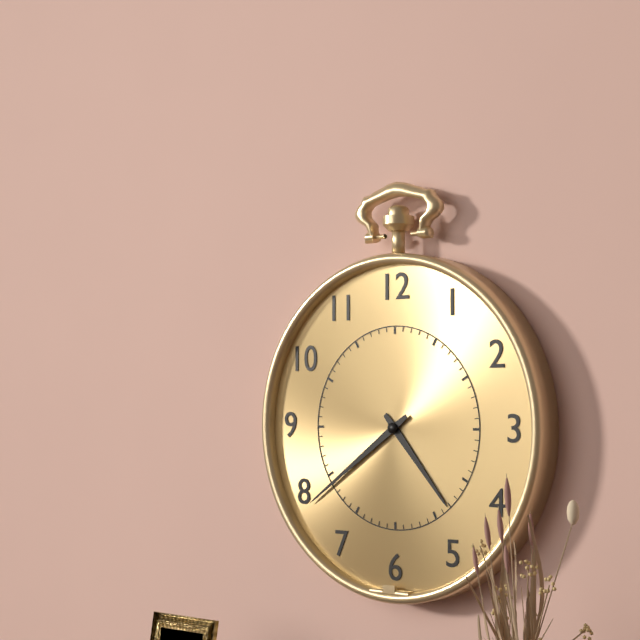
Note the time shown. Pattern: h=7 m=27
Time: h=4 m=39
